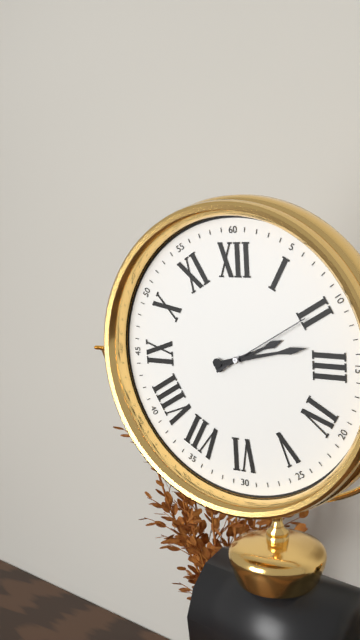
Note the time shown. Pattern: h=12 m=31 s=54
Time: h=2 m=13 s=10
